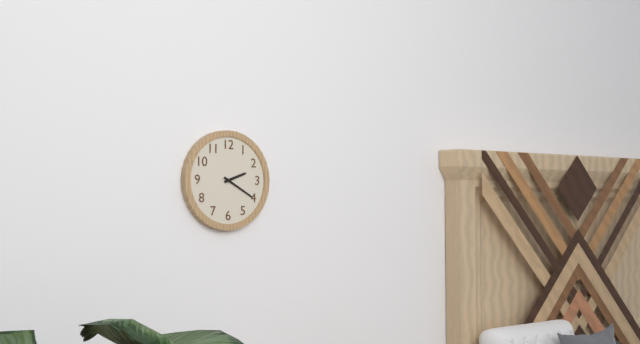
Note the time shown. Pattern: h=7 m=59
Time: h=2 m=20
